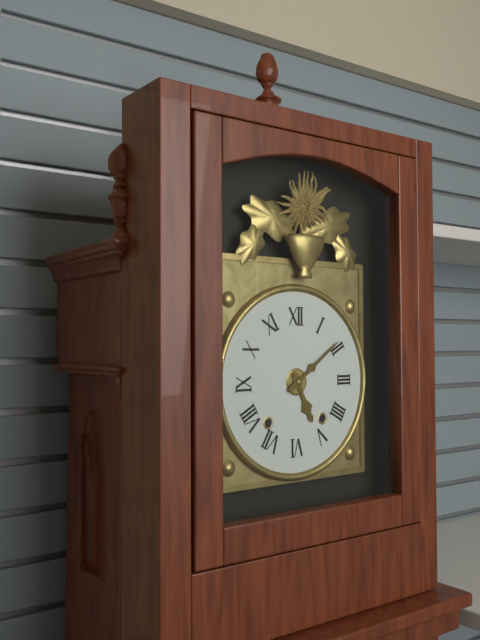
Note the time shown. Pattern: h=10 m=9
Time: h=5 m=9
